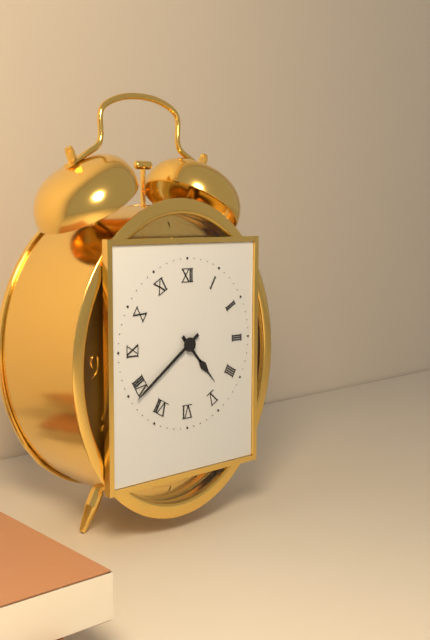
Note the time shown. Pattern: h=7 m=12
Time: h=4 m=39
